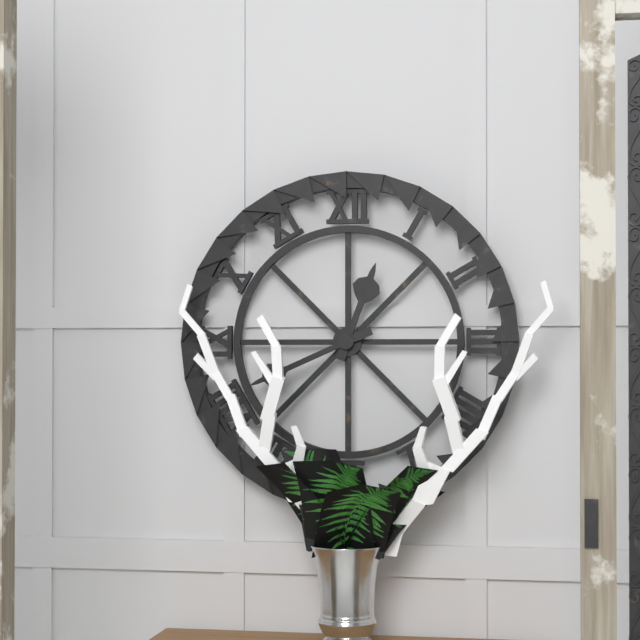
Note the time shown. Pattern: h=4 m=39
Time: h=12 m=41
